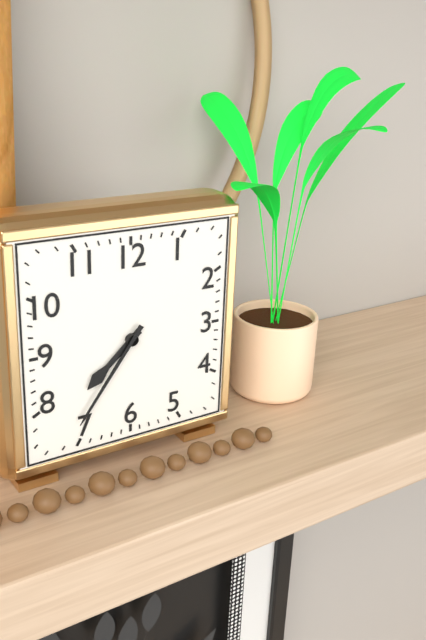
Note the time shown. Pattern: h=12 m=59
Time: h=7 m=36
